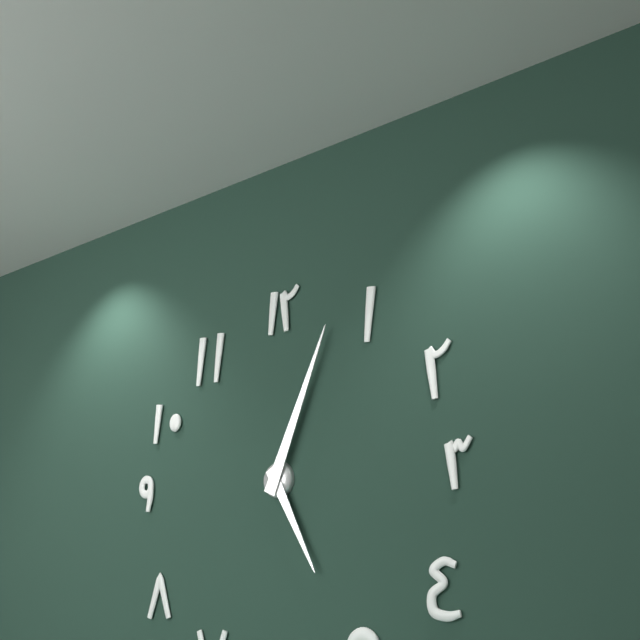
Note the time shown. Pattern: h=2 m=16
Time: h=5 m=4
